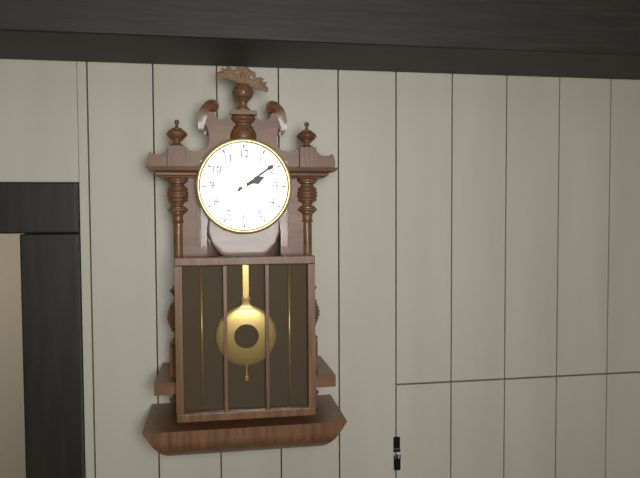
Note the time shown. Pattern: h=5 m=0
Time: h=2 m=9
